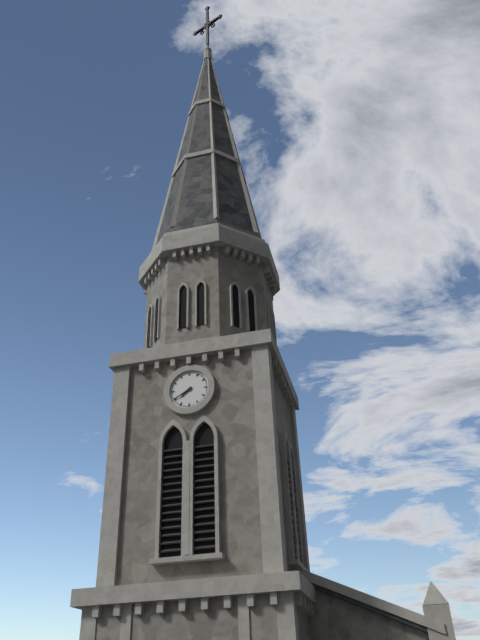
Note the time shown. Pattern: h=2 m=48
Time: h=7 m=40
